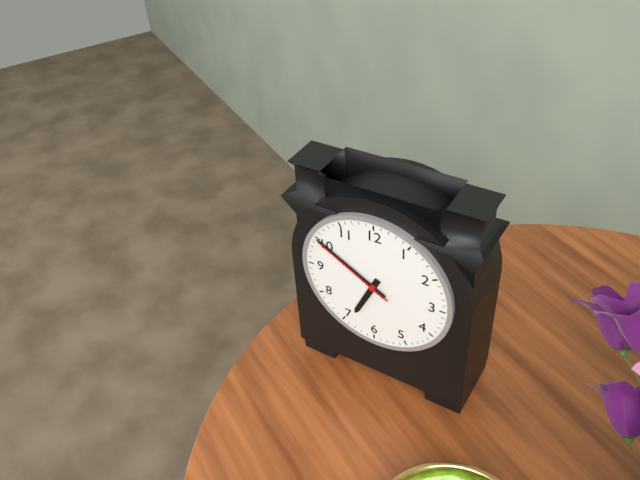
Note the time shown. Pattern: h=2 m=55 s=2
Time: h=6 m=50 s=50
